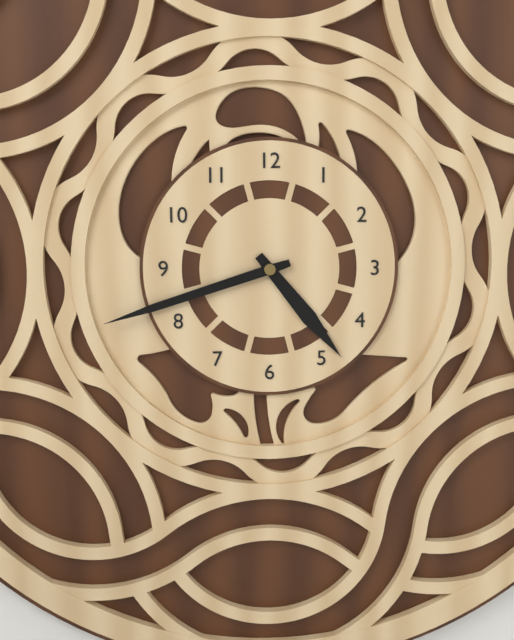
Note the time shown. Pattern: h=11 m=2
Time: h=4 m=42
